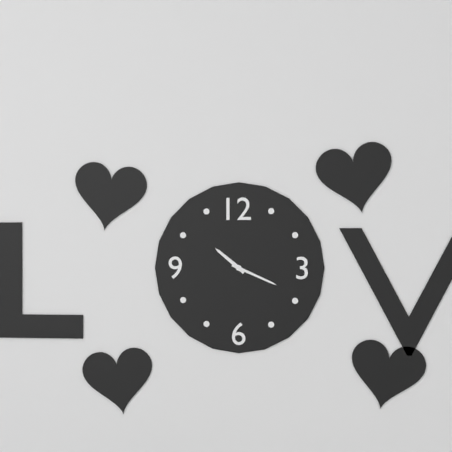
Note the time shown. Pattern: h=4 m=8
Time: h=10 m=19
